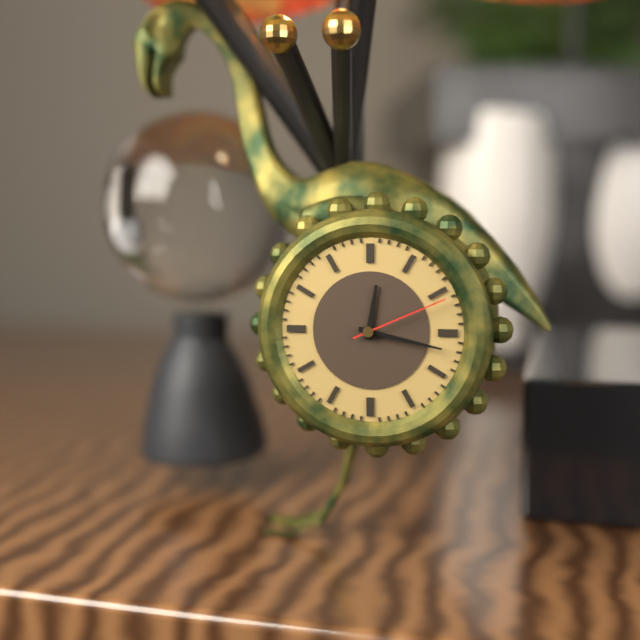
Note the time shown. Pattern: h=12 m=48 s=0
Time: h=12 m=17 s=11
